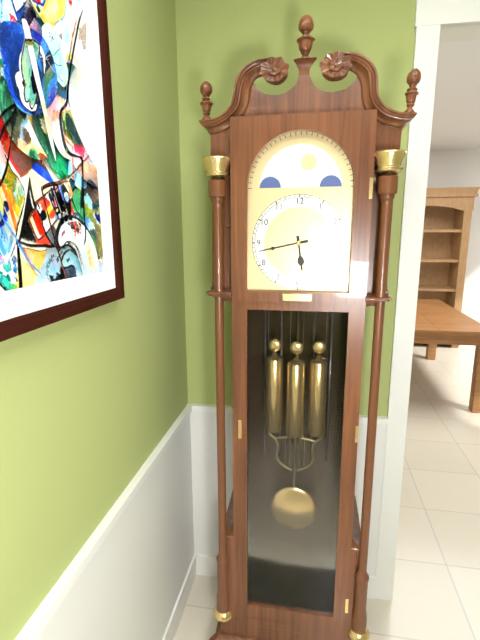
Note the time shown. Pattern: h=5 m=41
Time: h=5 m=43
